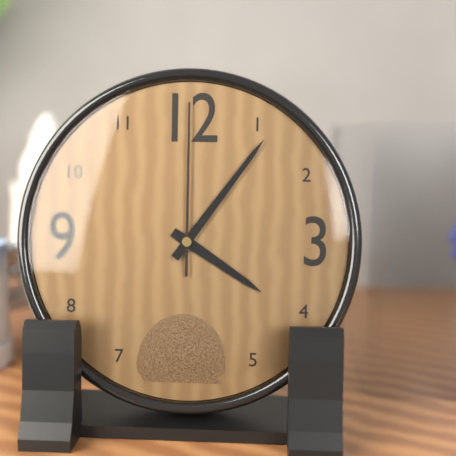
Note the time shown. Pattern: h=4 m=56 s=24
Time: h=4 m=6 s=0
